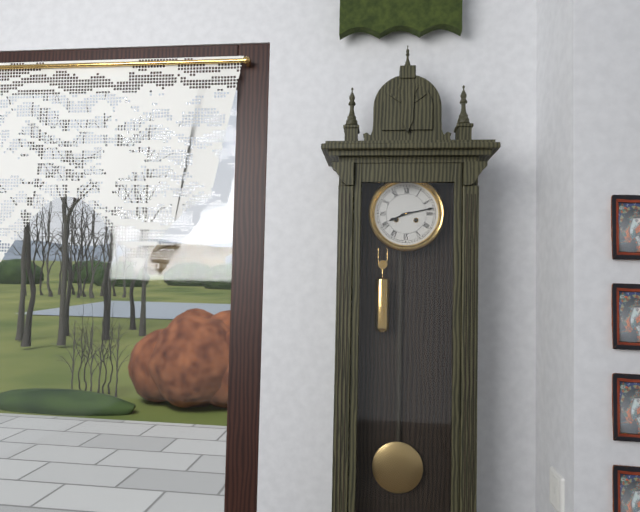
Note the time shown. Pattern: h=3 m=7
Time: h=8 m=13
